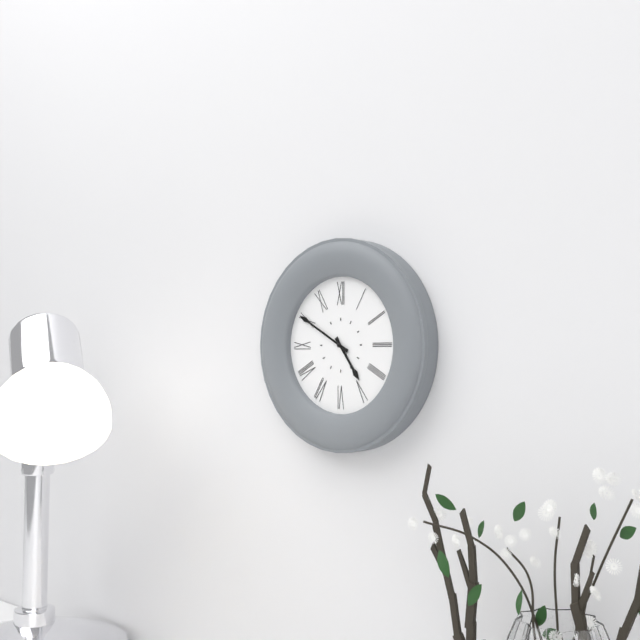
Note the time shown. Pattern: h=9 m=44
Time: h=4 m=50
